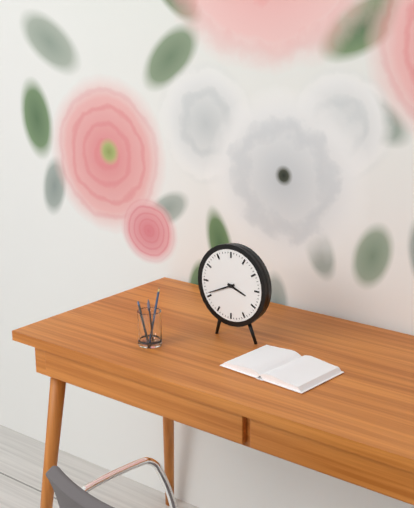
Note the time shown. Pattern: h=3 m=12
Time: h=3 m=41
